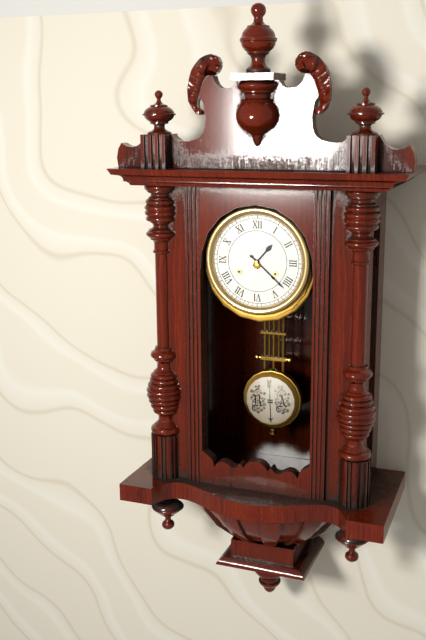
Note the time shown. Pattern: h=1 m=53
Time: h=1 m=22
